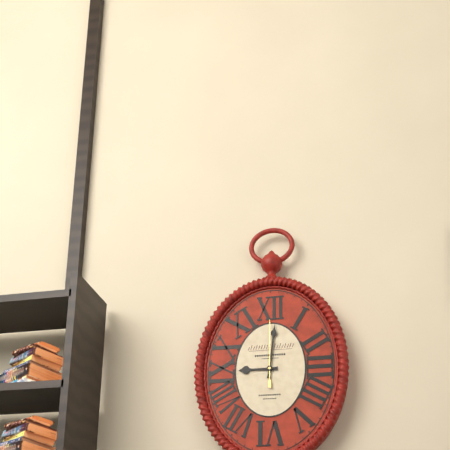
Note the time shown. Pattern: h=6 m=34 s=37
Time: h=9 m=1 s=0
